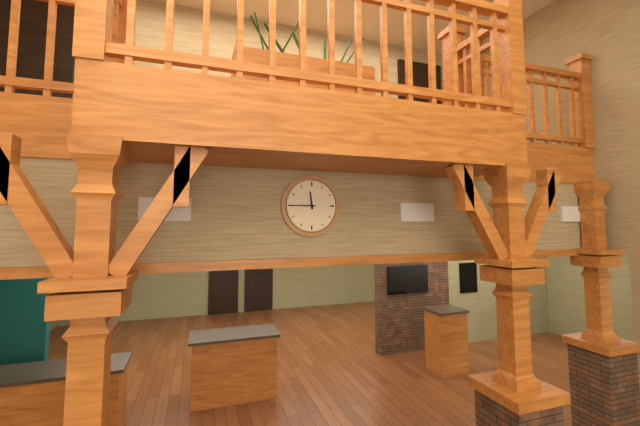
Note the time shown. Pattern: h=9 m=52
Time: h=11 m=45
